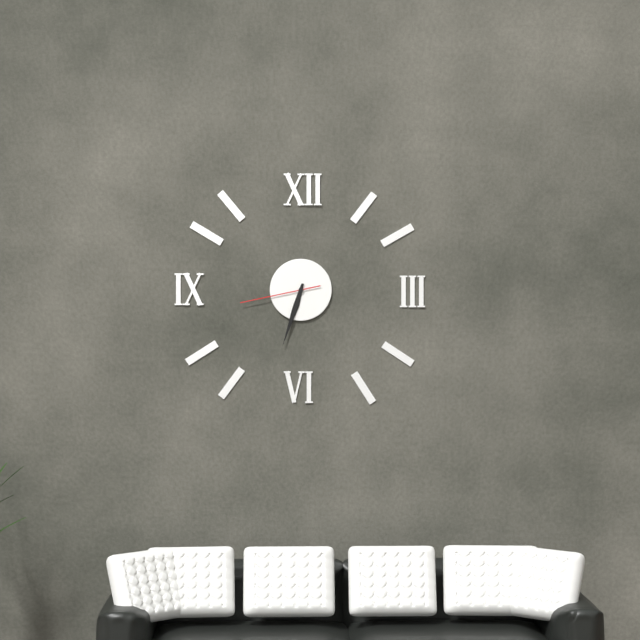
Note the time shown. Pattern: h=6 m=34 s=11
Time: h=6 m=33 s=43
